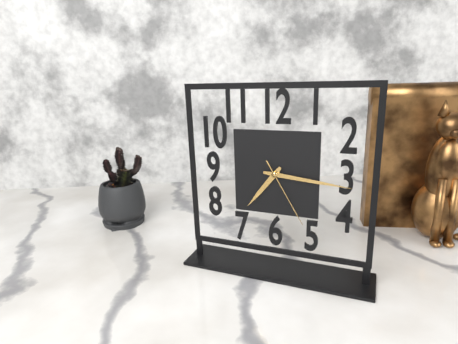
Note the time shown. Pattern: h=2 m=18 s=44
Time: h=7 m=16 s=25
